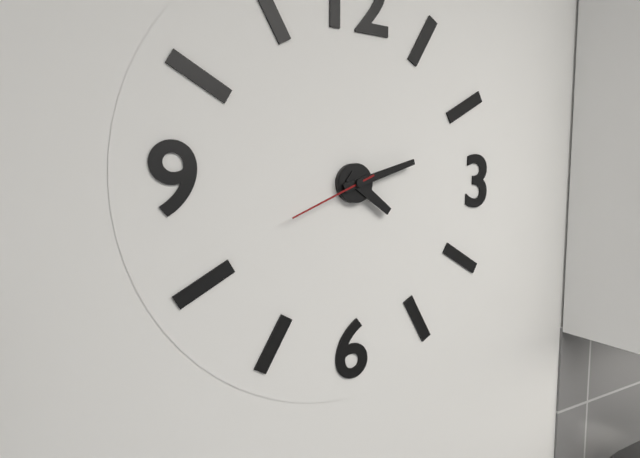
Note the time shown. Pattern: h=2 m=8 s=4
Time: h=4 m=12 s=41
